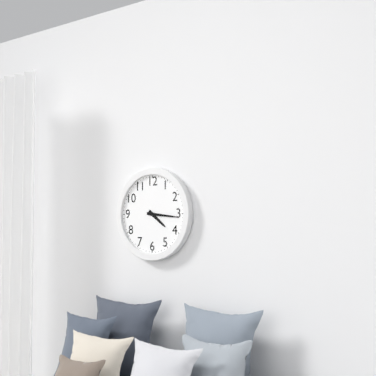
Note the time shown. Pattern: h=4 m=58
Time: h=4 m=16
